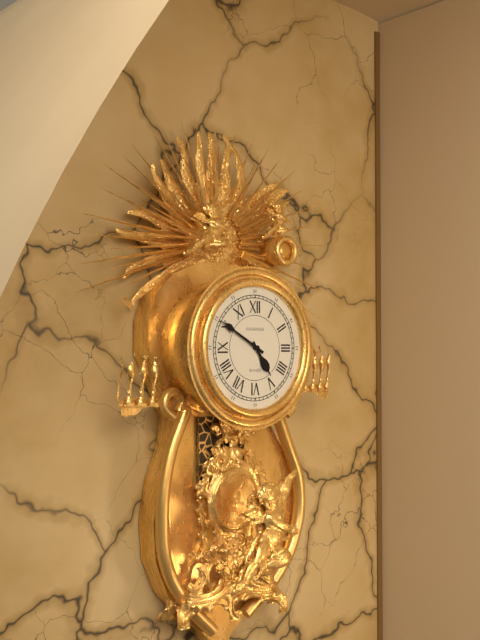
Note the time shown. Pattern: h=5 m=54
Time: h=4 m=50
